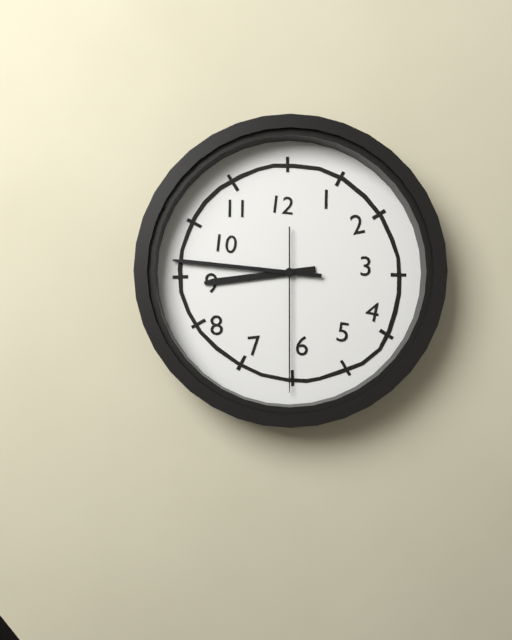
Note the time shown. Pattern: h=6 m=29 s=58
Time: h=8 m=46 s=30
